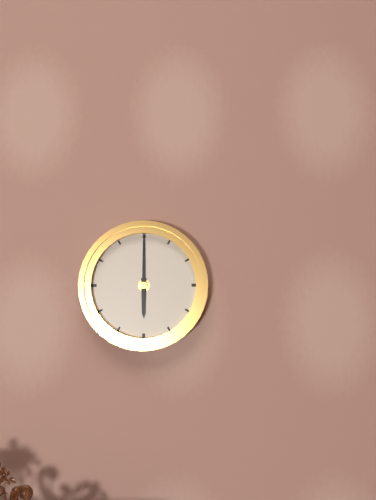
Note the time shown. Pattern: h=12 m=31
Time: h=6 m=0
